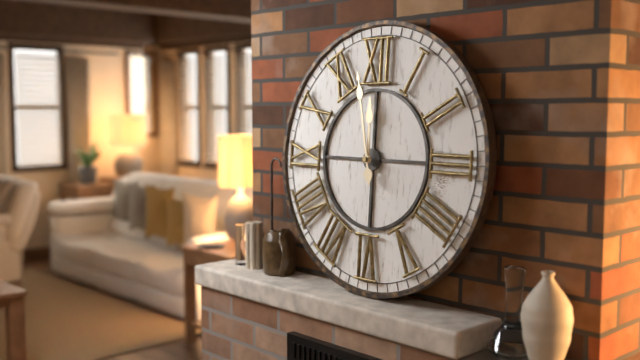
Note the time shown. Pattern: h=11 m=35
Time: h=11 m=58
